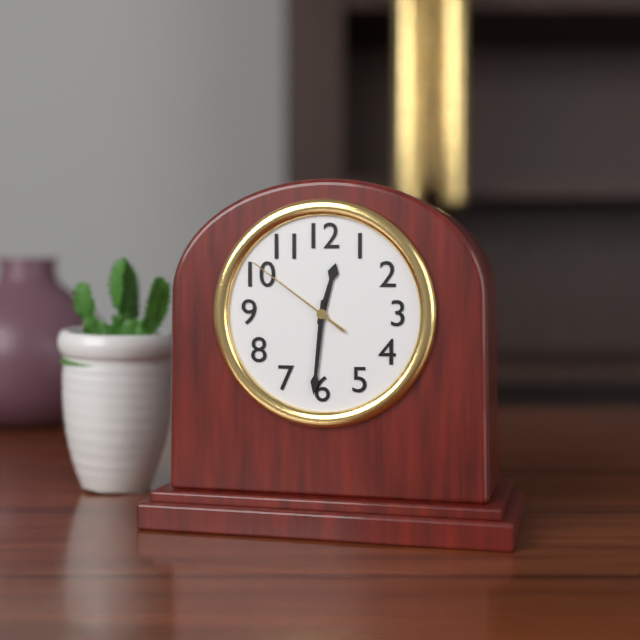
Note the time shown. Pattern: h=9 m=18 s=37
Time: h=12 m=31 s=51
